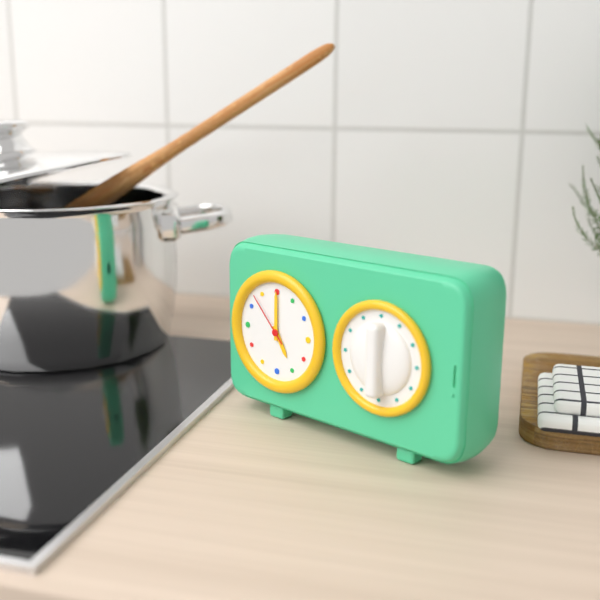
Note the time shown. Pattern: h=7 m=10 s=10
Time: h=5 m=0 s=53
